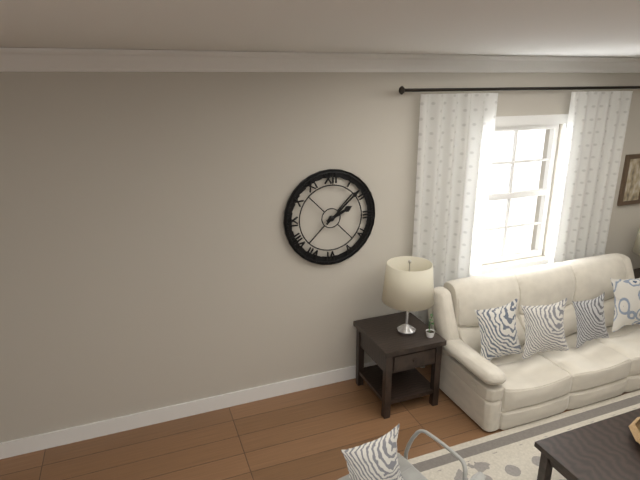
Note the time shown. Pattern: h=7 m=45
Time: h=2 m=8
